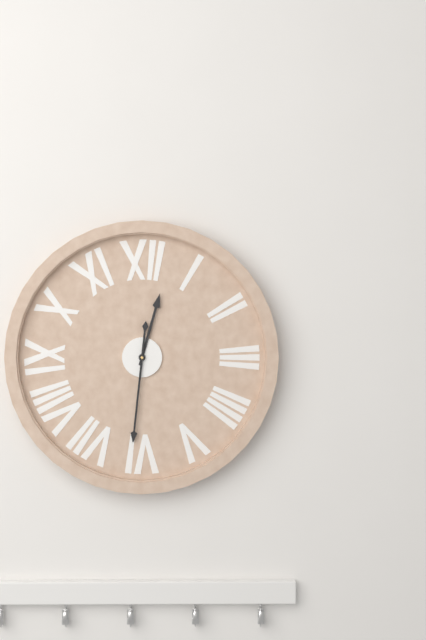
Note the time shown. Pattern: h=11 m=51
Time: h=12 m=31
